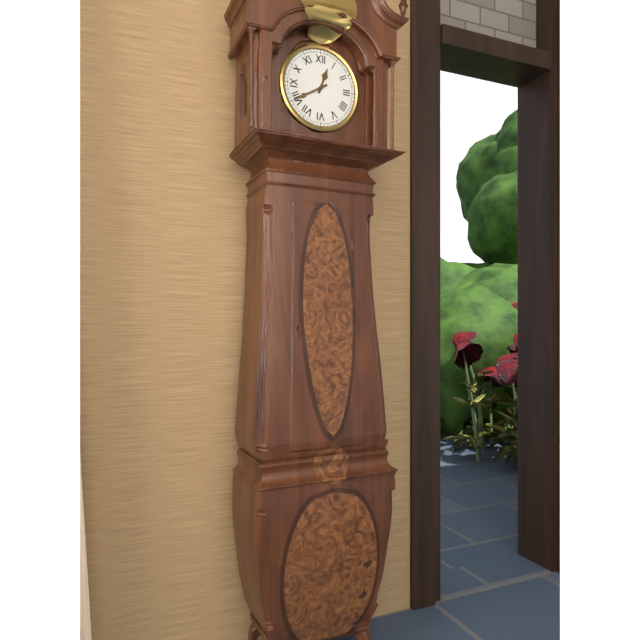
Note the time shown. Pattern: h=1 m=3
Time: h=12 m=40
